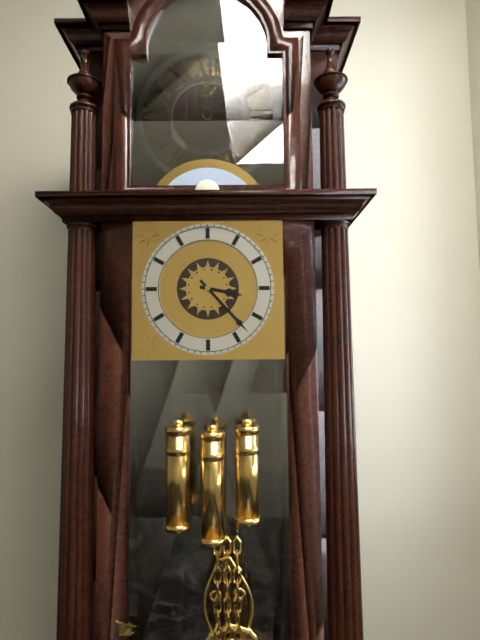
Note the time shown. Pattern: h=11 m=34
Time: h=3 m=23
